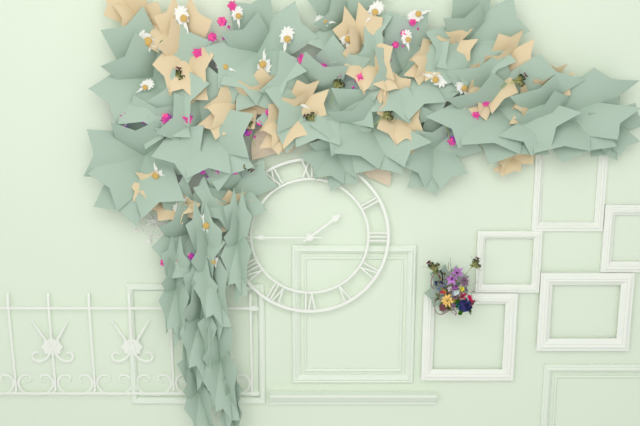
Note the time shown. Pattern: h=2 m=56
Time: h=1 m=45
